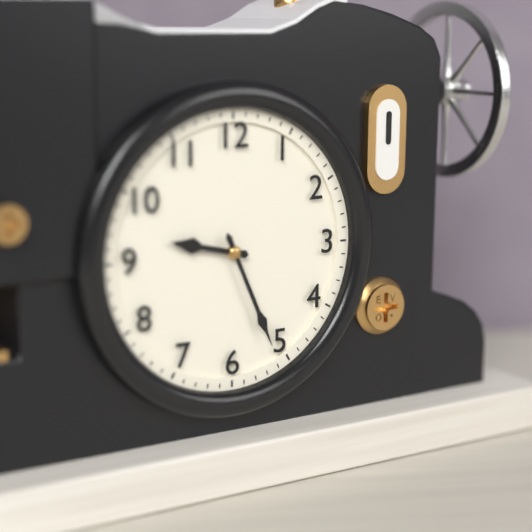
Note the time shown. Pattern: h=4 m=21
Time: h=9 m=26
